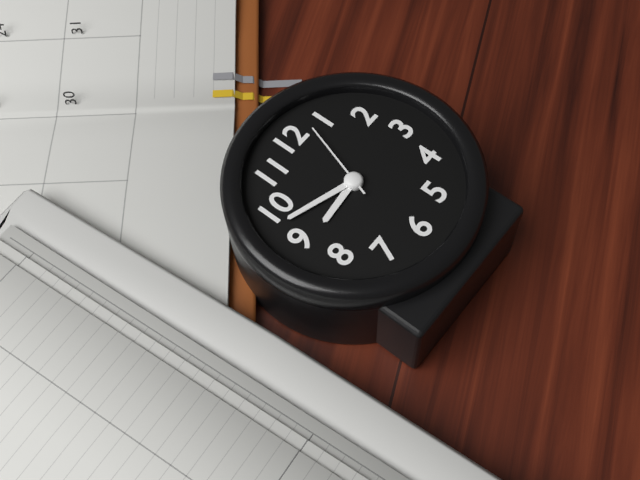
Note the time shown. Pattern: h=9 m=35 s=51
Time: h=8 m=48 s=3
